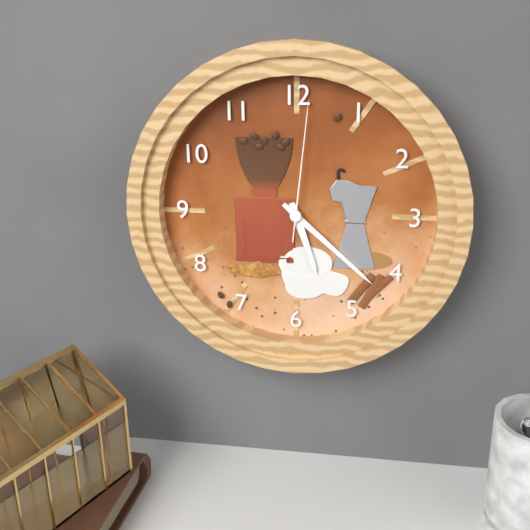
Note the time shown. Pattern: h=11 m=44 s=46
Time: h=5 m=22 s=1
